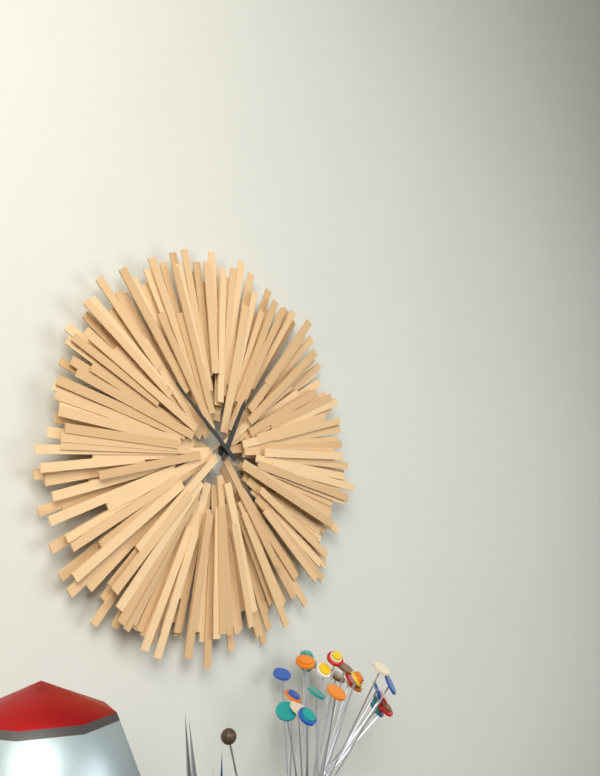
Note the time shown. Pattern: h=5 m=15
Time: h=12 m=52
